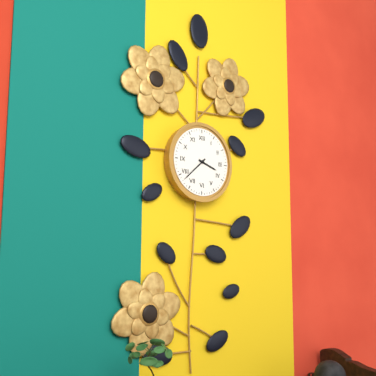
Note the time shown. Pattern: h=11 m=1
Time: h=3 m=38
